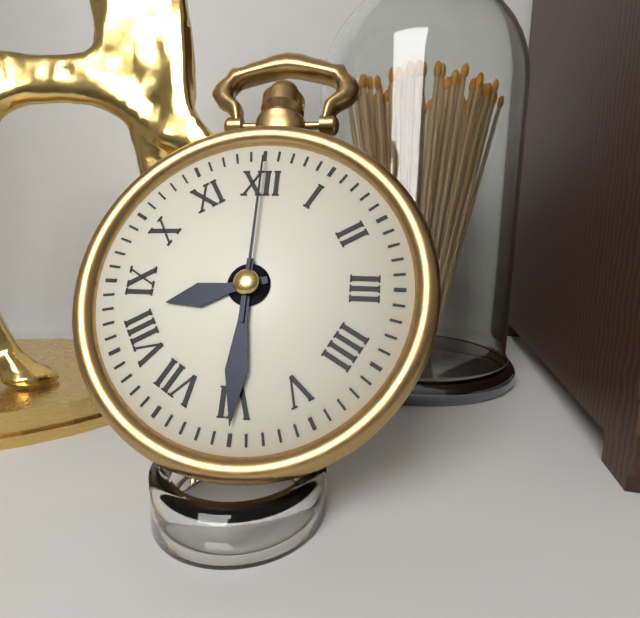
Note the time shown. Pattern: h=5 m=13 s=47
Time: h=8 m=30 s=0
